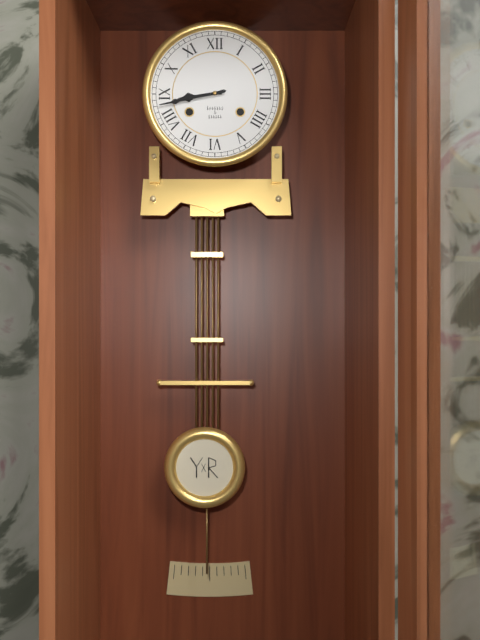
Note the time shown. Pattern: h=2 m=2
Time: h=8 m=43
